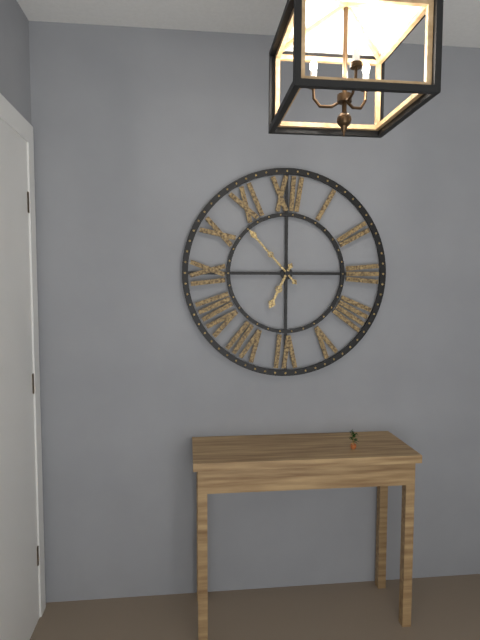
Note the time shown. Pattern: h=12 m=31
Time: h=6 m=53
